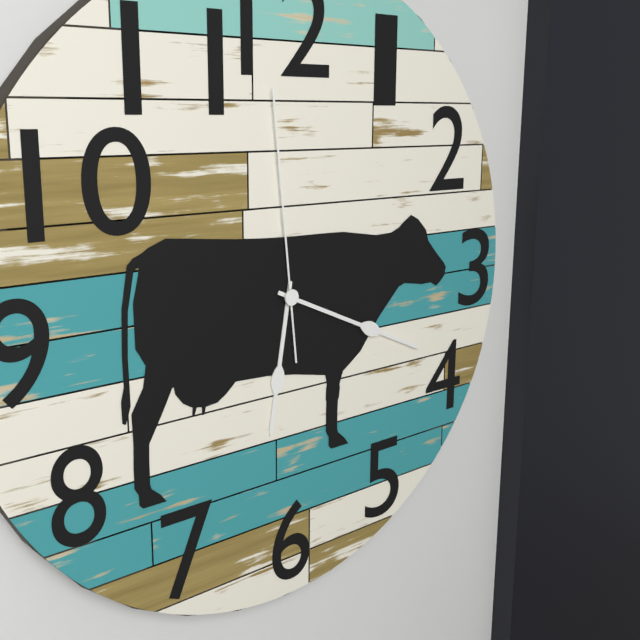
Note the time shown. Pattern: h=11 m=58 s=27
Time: h=6 m=19 s=59
